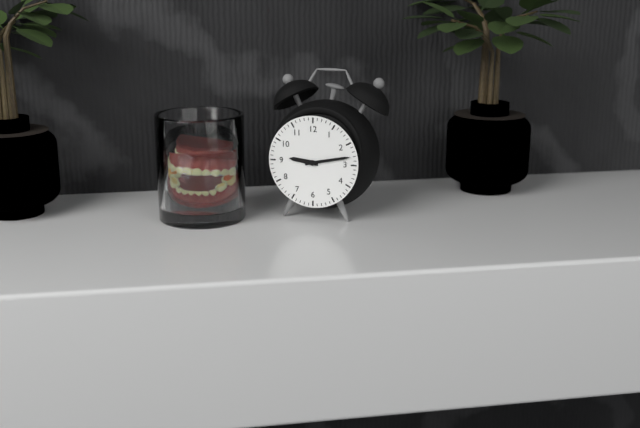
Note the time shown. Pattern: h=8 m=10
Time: h=9 m=13
